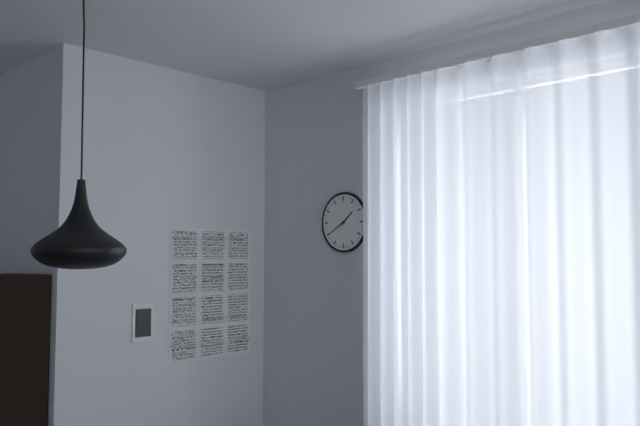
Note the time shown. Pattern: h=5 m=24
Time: h=1 m=40
